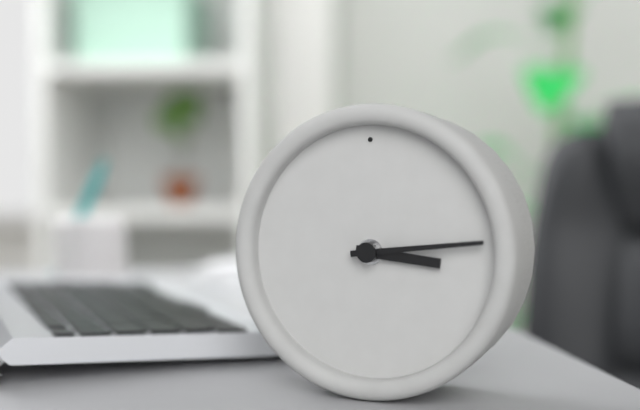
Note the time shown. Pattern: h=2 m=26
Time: h=3 m=14
